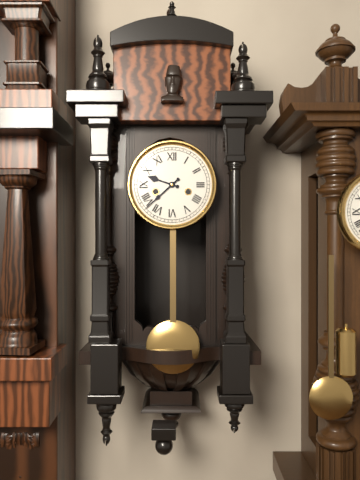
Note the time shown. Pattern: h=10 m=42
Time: h=9 m=38
